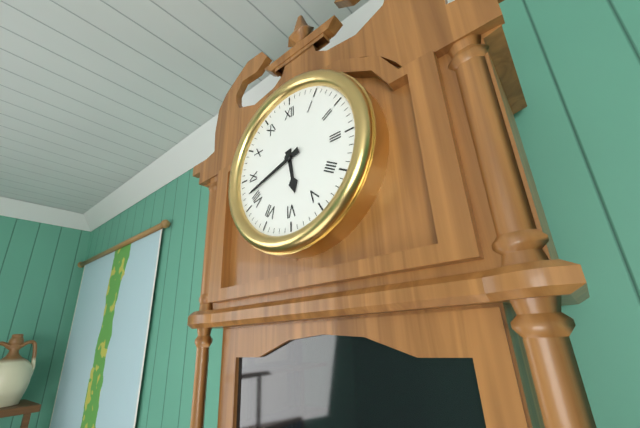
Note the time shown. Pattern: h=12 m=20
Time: h=5 m=42
